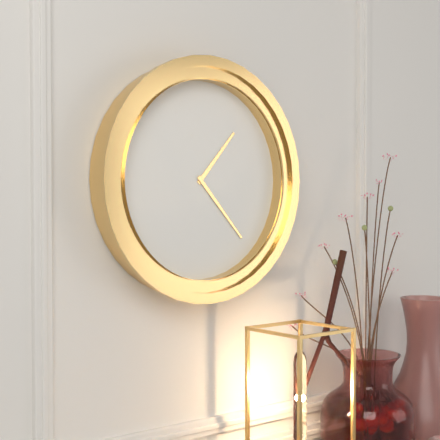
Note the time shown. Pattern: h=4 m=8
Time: h=1 m=23
